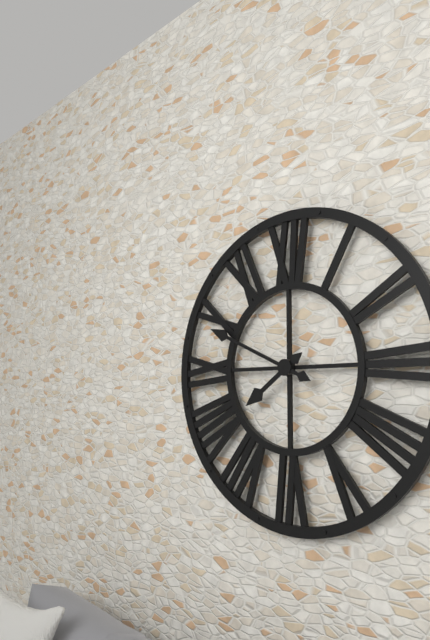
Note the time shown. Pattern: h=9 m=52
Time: h=7 m=49
